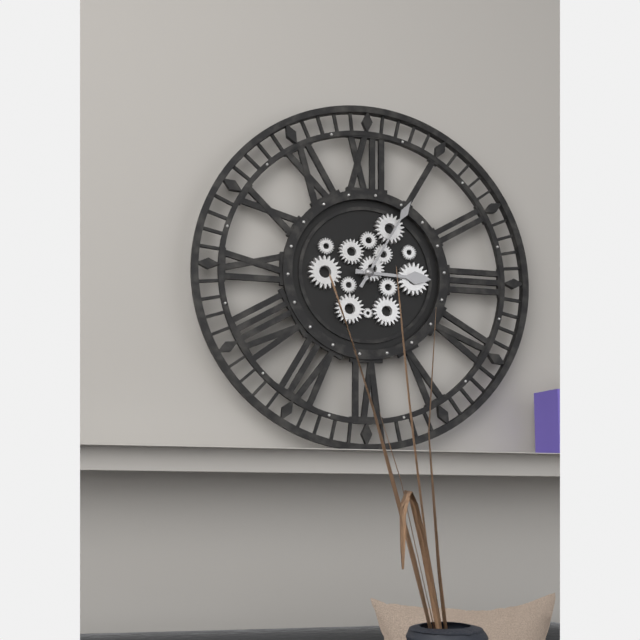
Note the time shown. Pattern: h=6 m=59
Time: h=3 m=5
